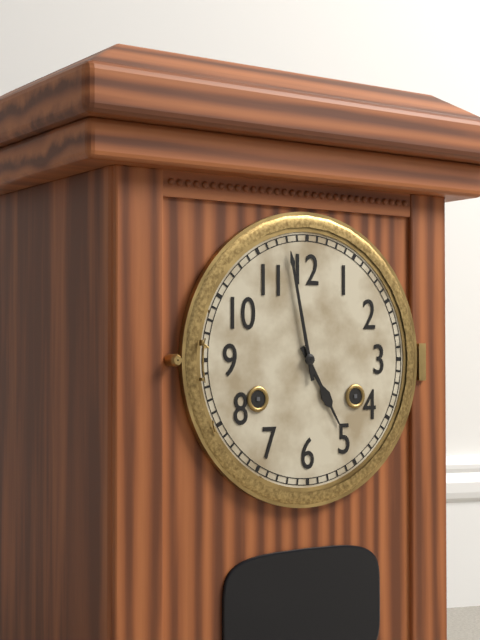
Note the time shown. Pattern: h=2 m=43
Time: h=4 m=58
